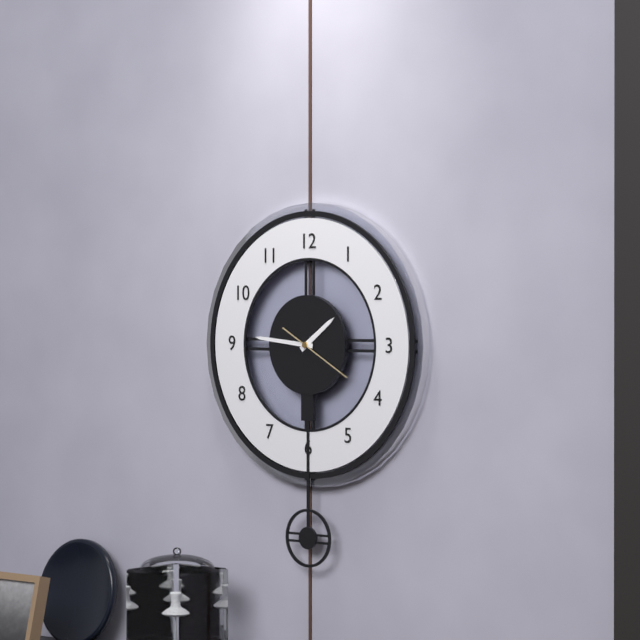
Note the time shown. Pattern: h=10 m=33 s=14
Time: h=1 m=46 s=20
